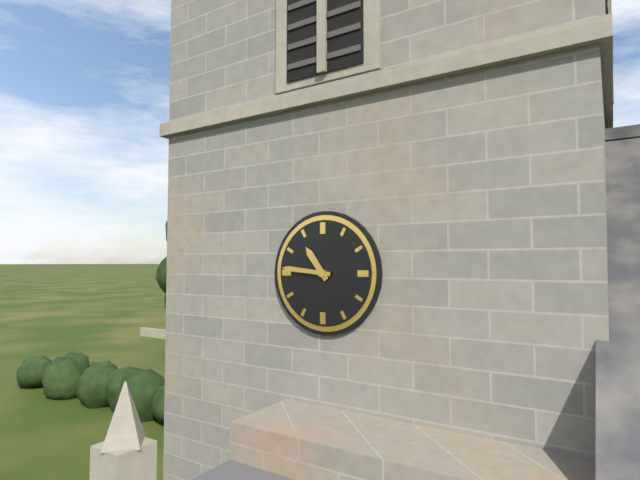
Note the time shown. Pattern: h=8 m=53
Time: h=10 m=46
